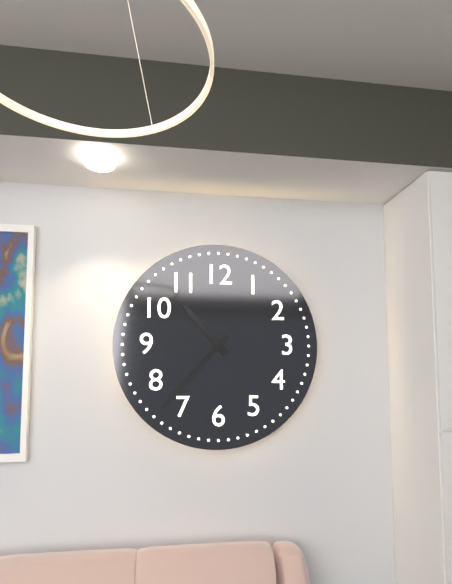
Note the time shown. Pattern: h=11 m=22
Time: h=10 m=37
